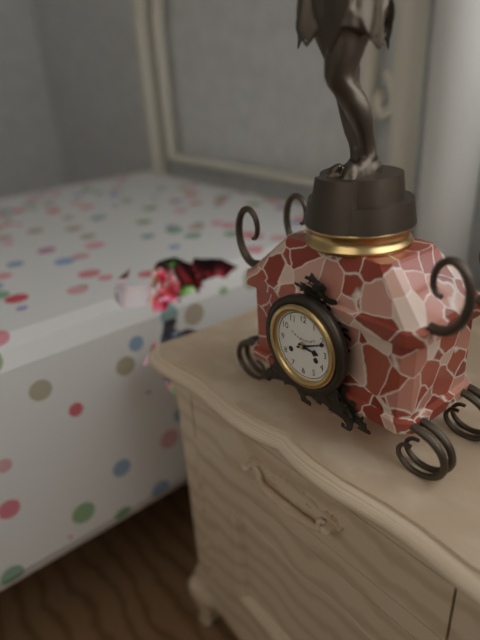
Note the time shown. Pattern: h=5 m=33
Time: h=3 m=11
